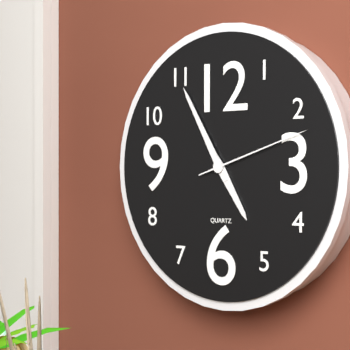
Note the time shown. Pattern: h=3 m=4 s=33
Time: h=4 m=55 s=12
